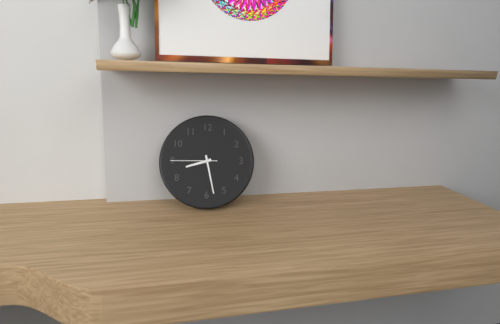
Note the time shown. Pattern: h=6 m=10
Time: h=8 m=28
